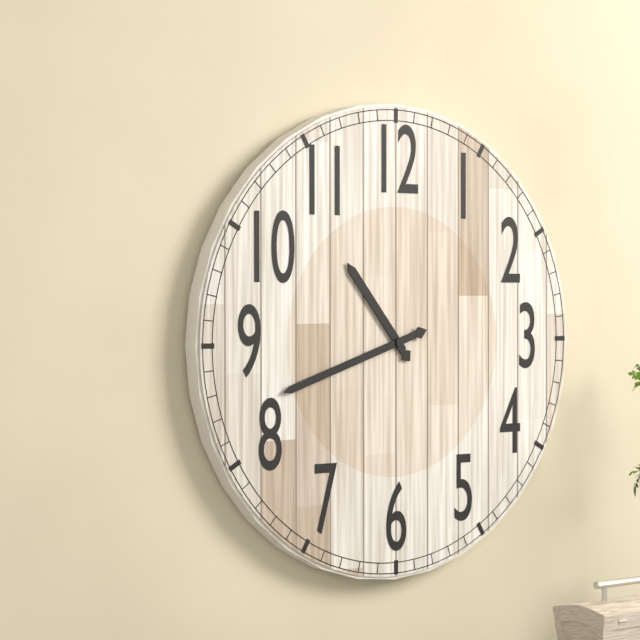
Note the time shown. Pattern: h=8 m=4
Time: h=10 m=42
